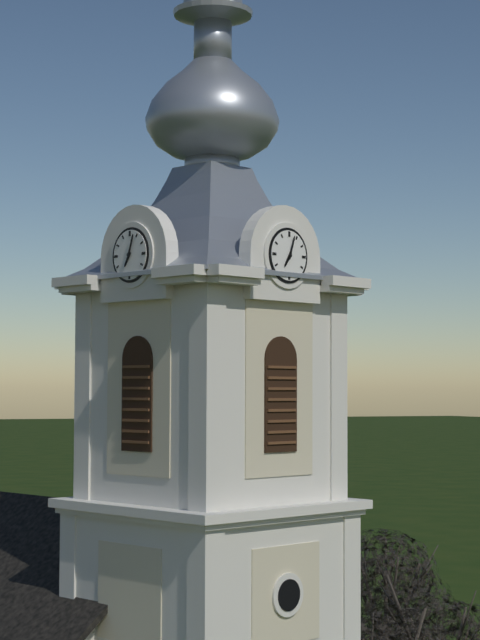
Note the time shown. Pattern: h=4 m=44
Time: h=7 m=3
